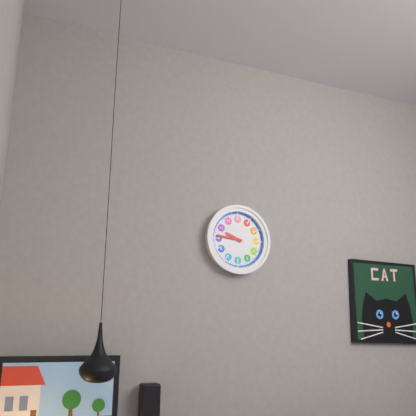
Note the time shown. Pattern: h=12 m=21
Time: h=9 m=46
